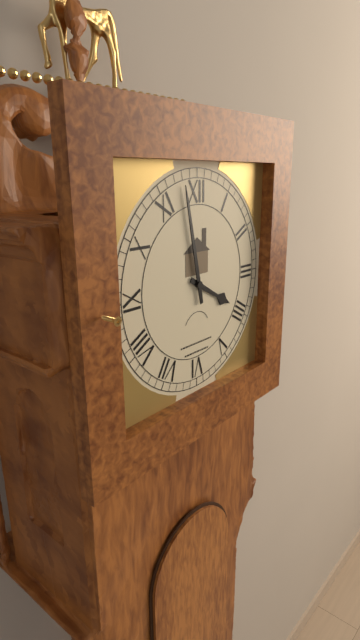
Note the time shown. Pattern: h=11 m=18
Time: h=3 m=58
